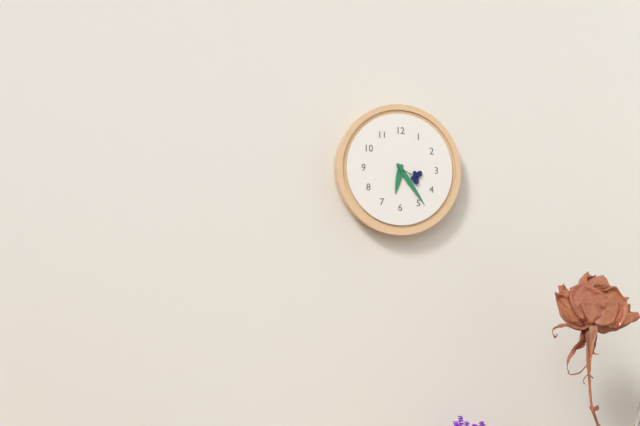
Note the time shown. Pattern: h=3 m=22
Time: h=6 m=24
